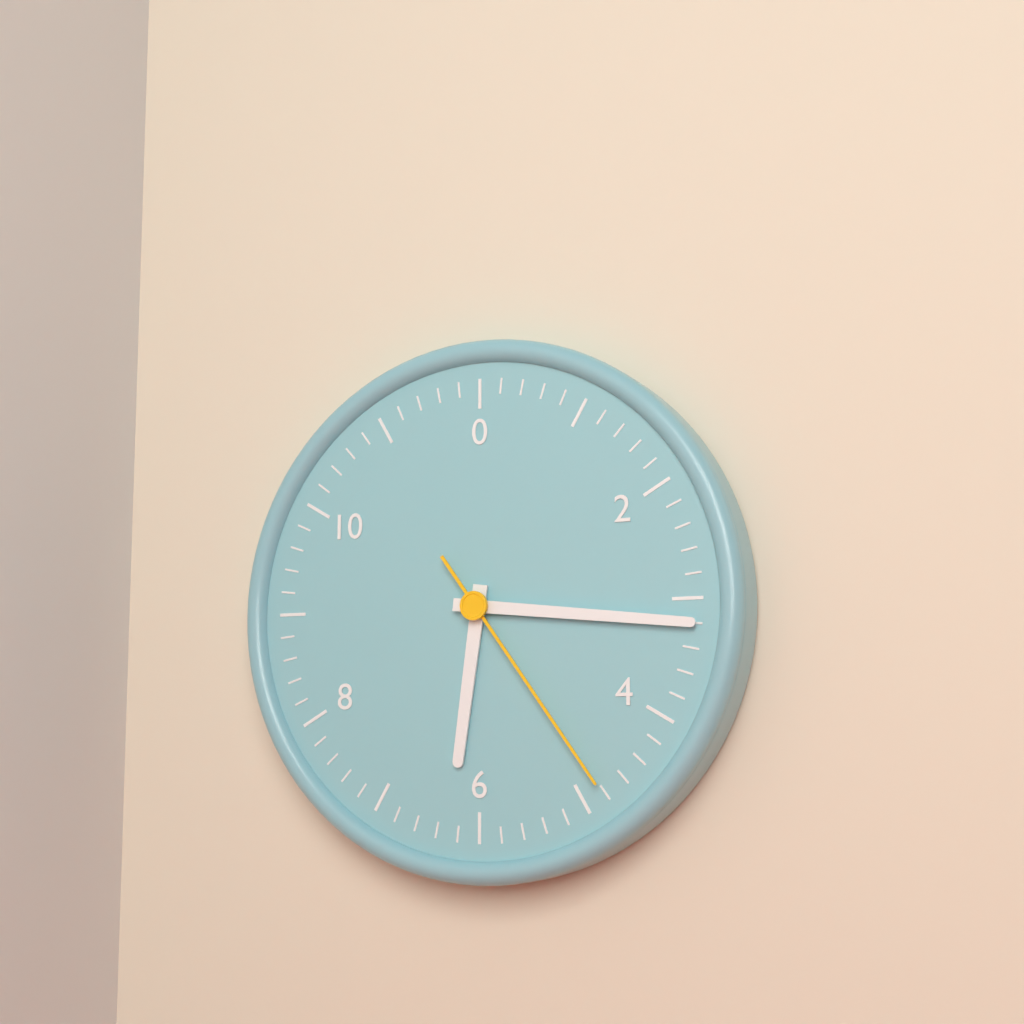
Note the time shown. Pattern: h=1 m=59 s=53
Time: h=6 m=16 s=24
